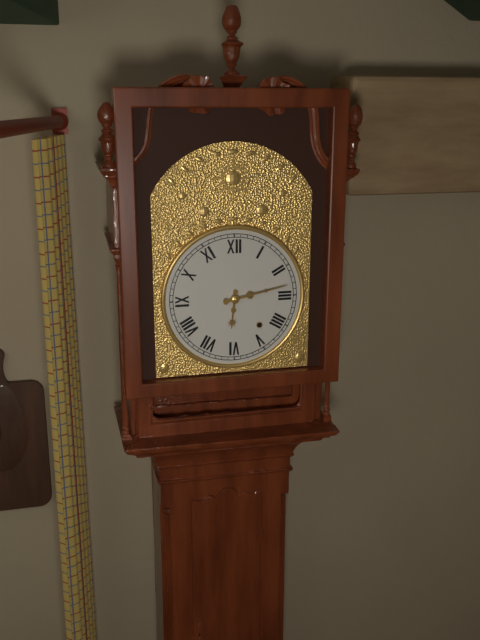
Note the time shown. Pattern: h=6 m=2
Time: h=6 m=13
